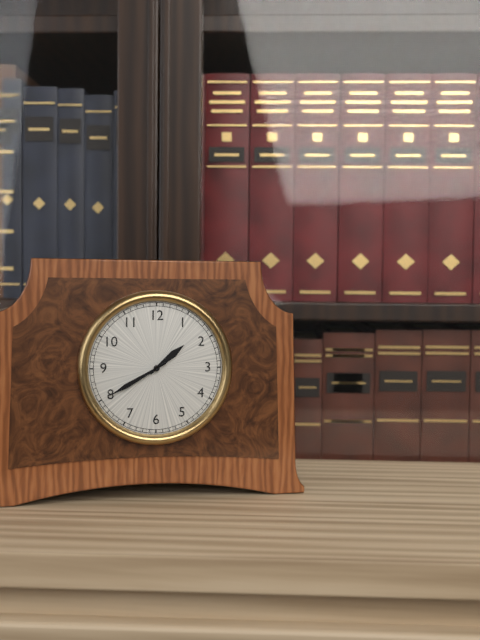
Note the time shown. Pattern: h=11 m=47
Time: h=1 m=40
